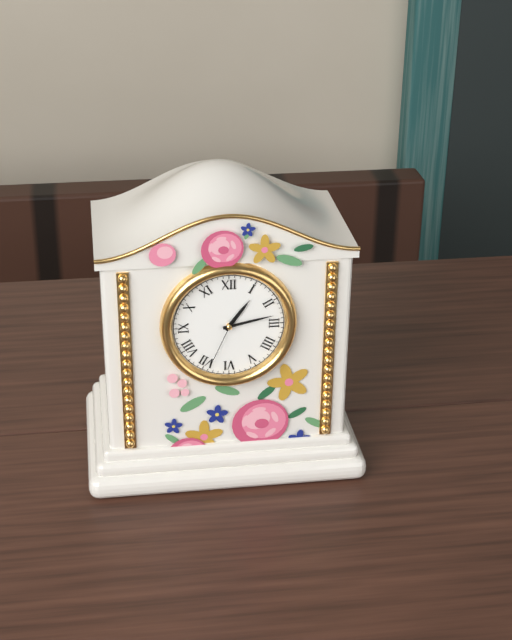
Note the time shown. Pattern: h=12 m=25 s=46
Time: h=1 m=13 s=34
